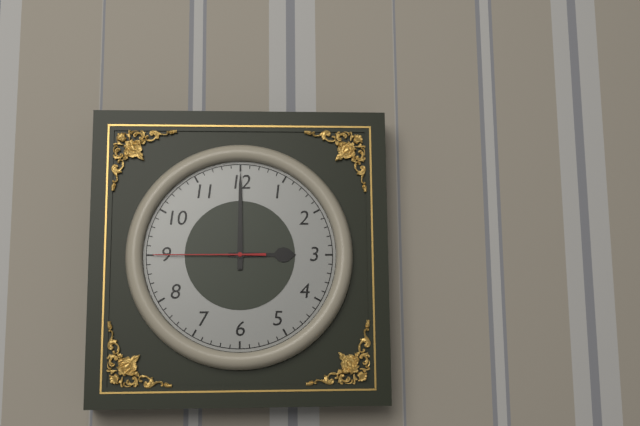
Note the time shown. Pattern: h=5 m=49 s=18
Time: h=3 m=0 s=45
